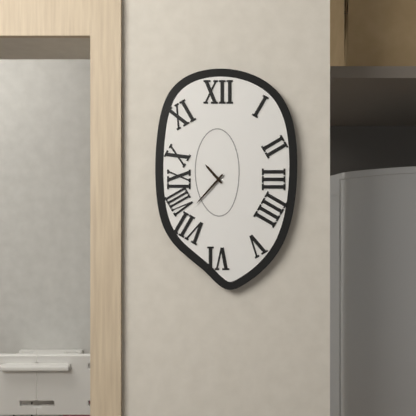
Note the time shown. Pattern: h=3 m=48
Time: h=10 m=37
